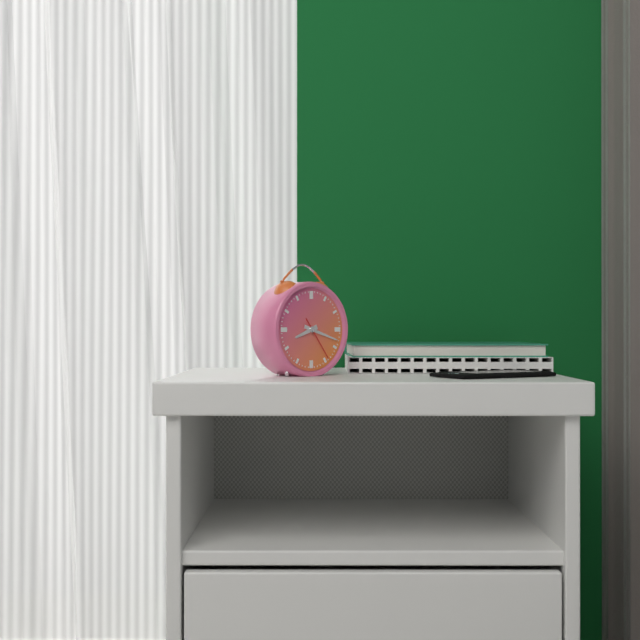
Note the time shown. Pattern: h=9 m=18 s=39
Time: h=8 m=18 s=24
